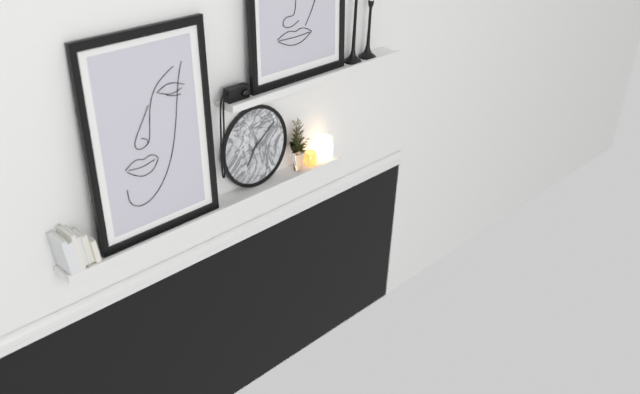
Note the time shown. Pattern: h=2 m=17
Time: h=7 m=9
